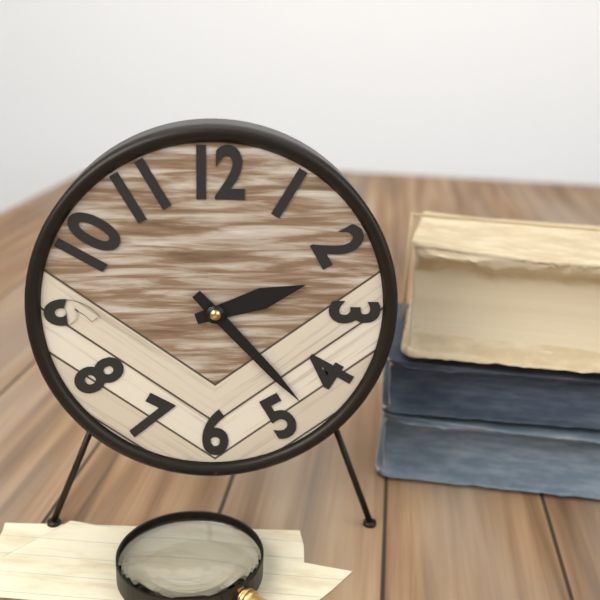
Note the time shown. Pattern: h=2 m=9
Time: h=2 m=23
